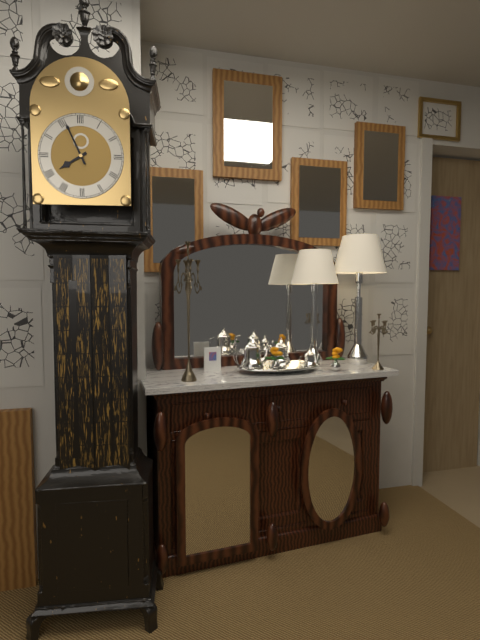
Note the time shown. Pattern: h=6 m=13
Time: h=7 m=56
